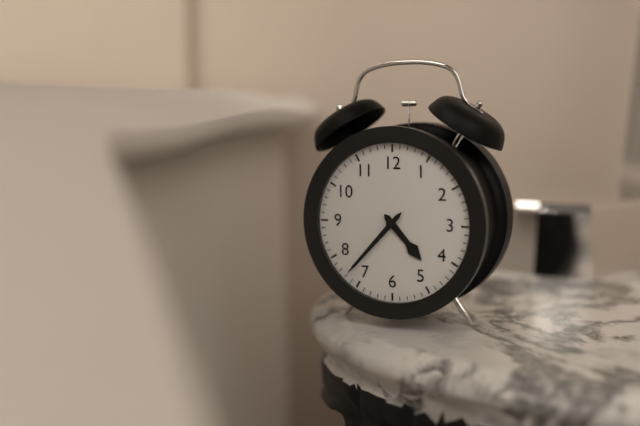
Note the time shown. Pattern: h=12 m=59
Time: h=4 m=37
